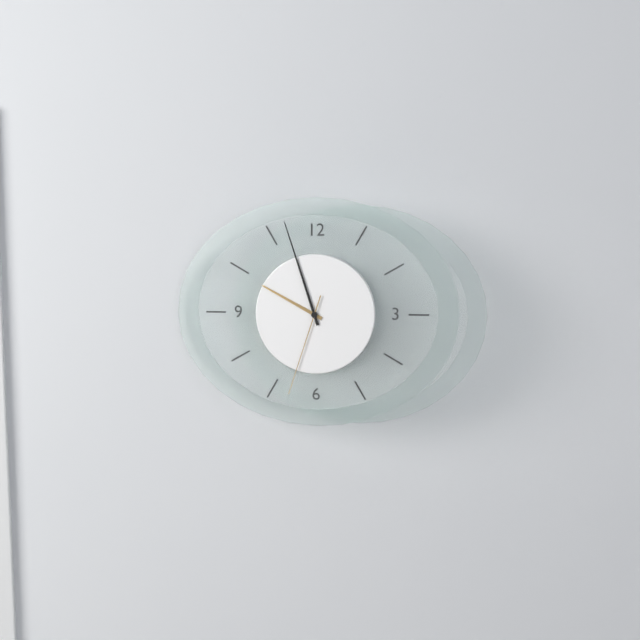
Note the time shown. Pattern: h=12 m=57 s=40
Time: h=9 m=57 s=33
